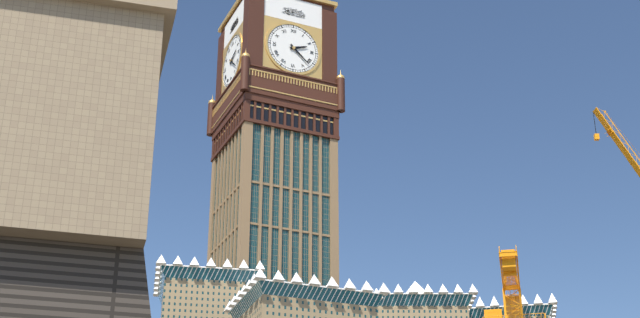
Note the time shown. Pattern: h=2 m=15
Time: h=2 m=22
